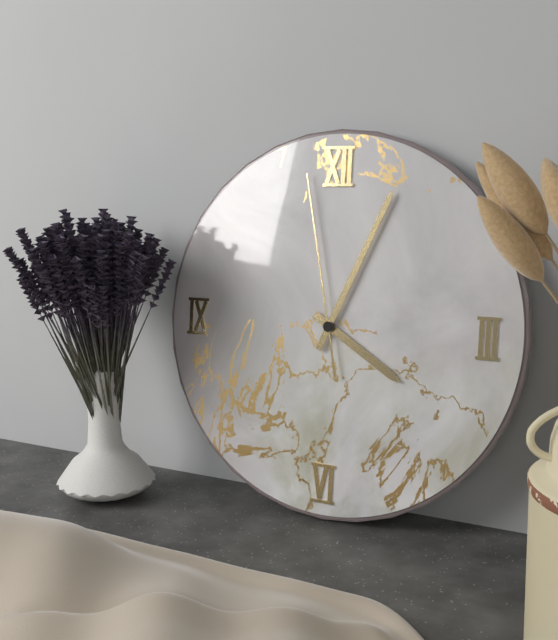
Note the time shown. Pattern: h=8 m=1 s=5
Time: h=4 m=4 s=58
